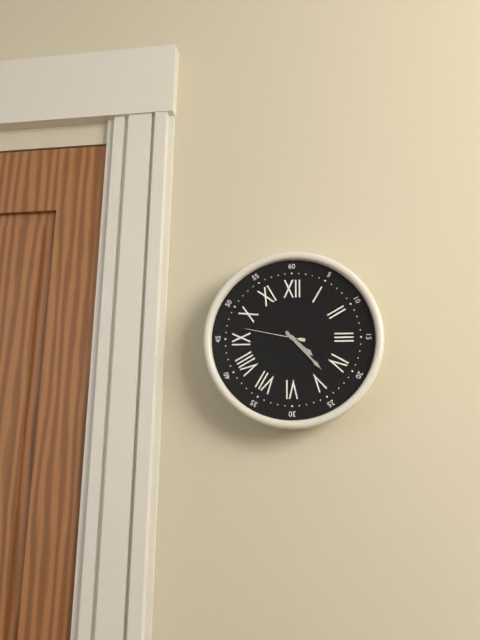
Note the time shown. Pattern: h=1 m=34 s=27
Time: h=4 m=23 s=47
